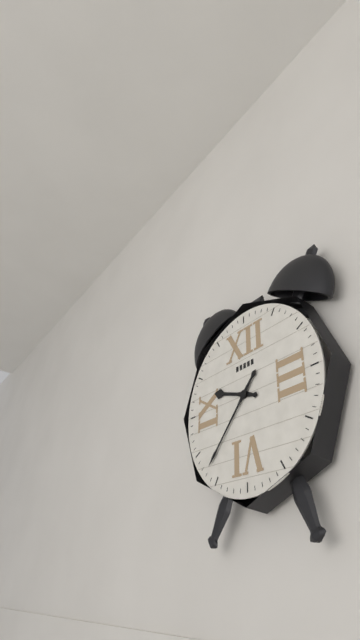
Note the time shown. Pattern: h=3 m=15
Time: h=9 m=37
